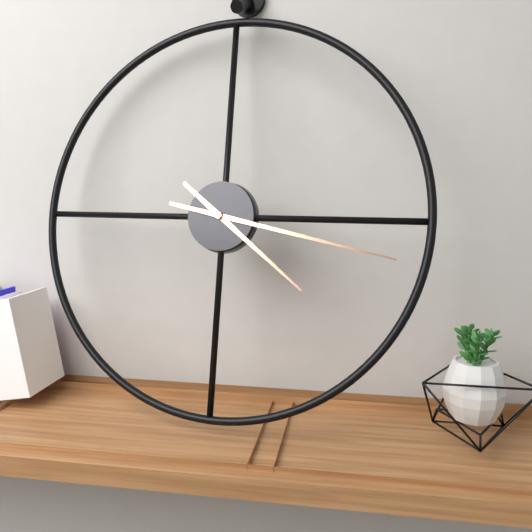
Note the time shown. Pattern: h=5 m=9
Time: h=4 m=17
